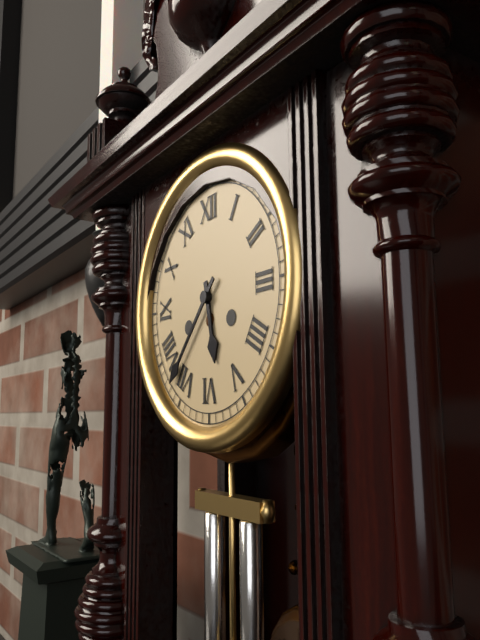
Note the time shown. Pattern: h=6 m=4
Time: h=5 m=37
